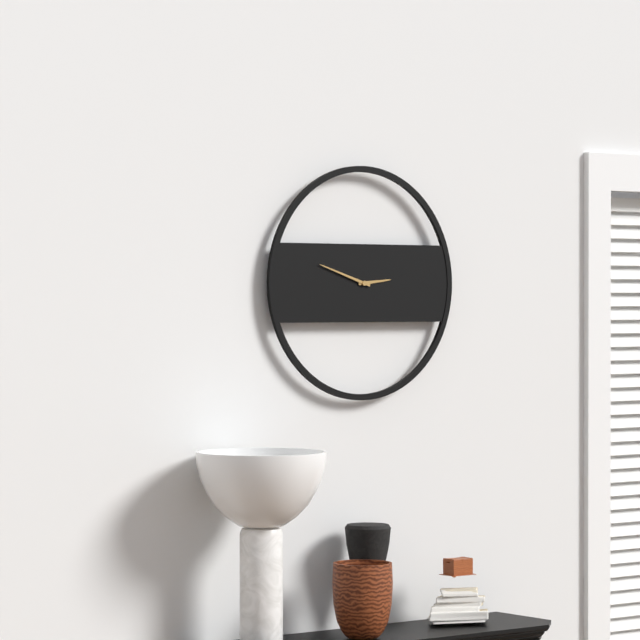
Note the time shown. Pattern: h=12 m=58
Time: h=2 m=48
